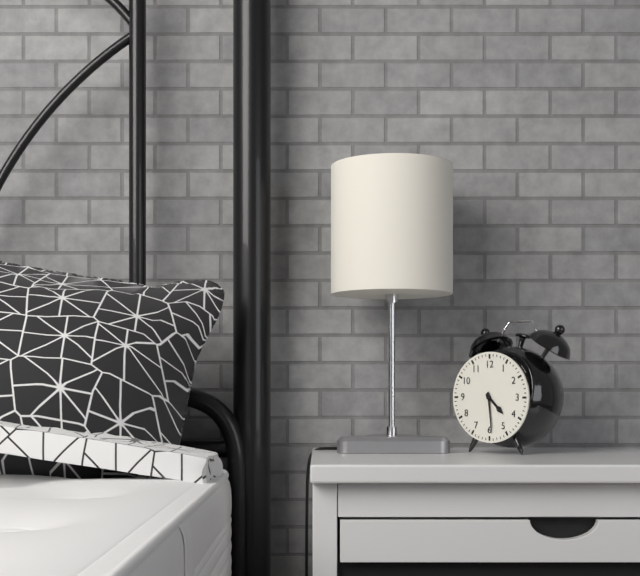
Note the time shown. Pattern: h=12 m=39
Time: h=4 m=29
